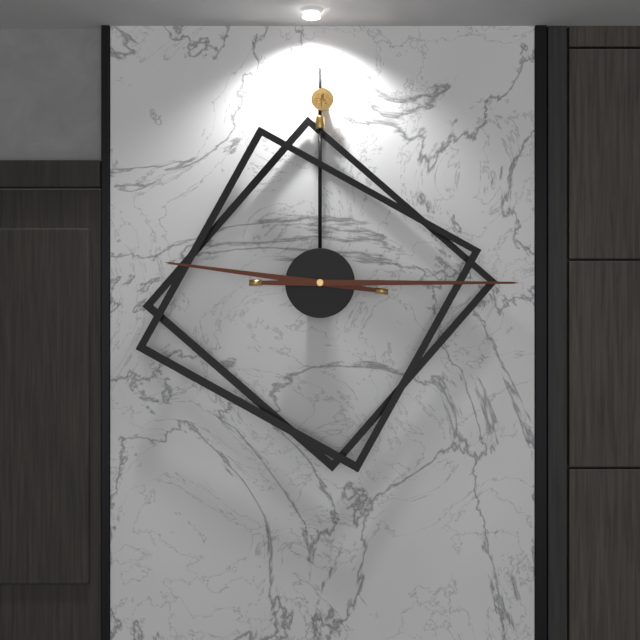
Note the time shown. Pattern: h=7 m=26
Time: h=9 m=15
